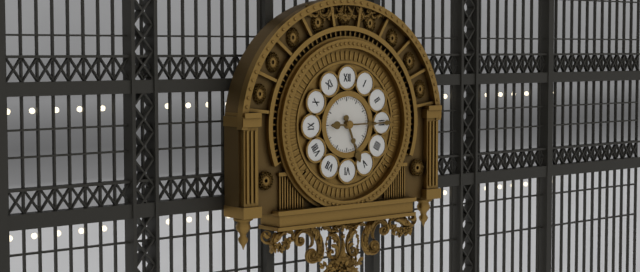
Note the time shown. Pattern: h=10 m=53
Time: h=5 m=15
